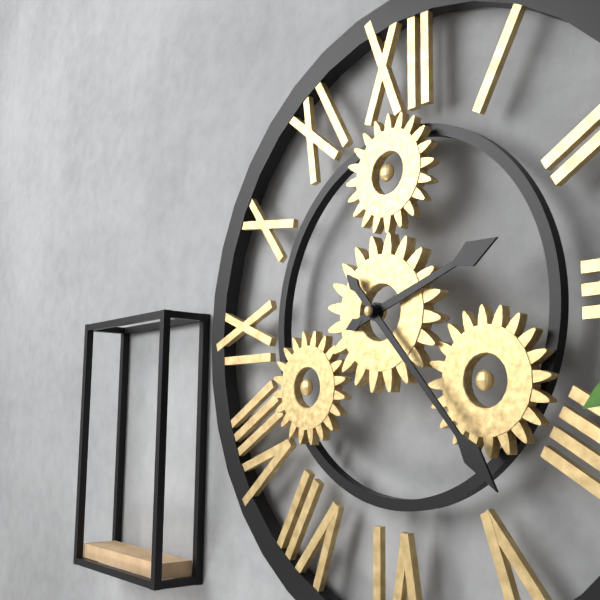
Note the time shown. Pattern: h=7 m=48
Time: h=2 m=23
